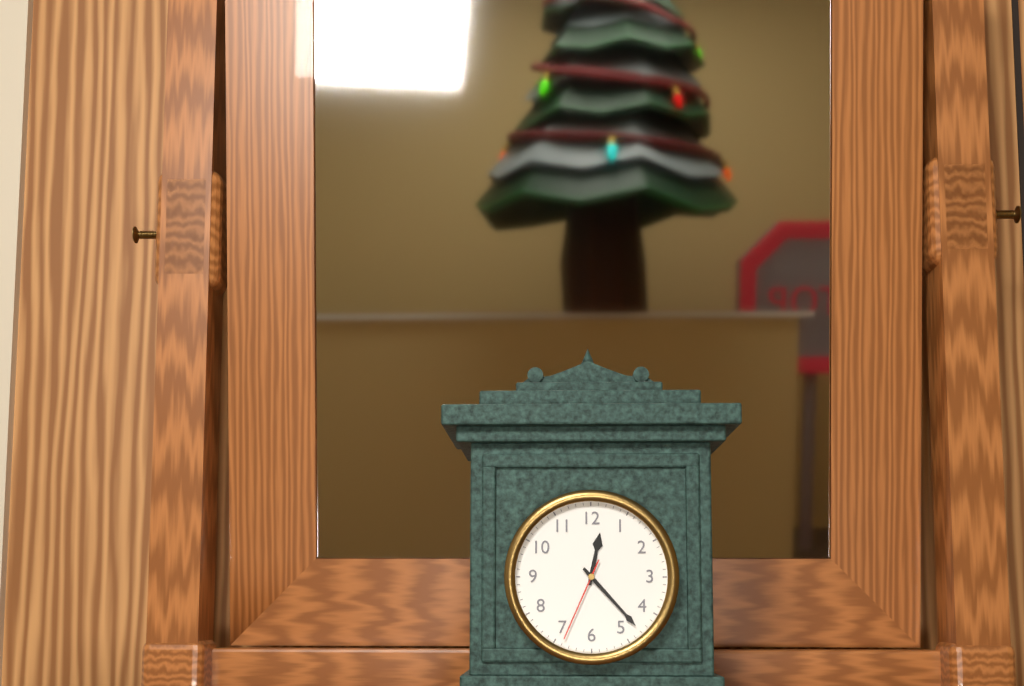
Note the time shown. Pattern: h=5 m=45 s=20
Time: h=12 m=23 s=34
